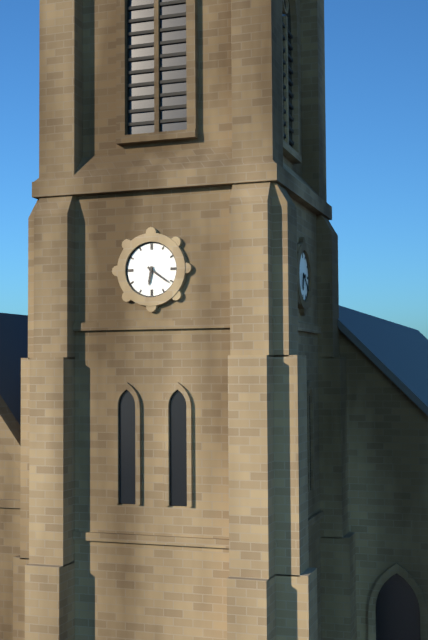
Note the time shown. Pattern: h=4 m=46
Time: h=6 m=21
